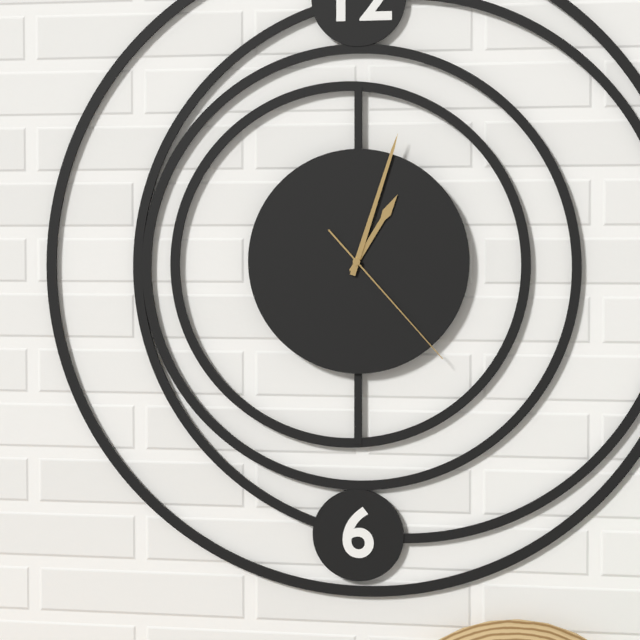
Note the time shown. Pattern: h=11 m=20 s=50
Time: h=1 m=3 s=23
